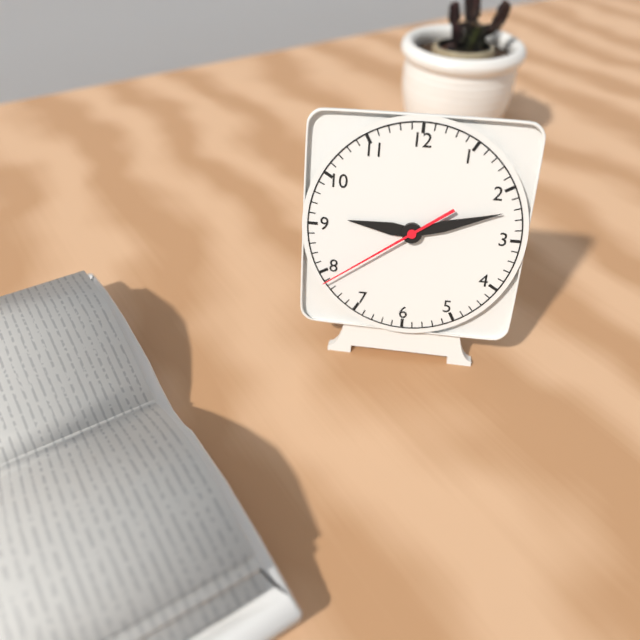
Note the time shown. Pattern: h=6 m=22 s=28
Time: h=9 m=12 s=39
